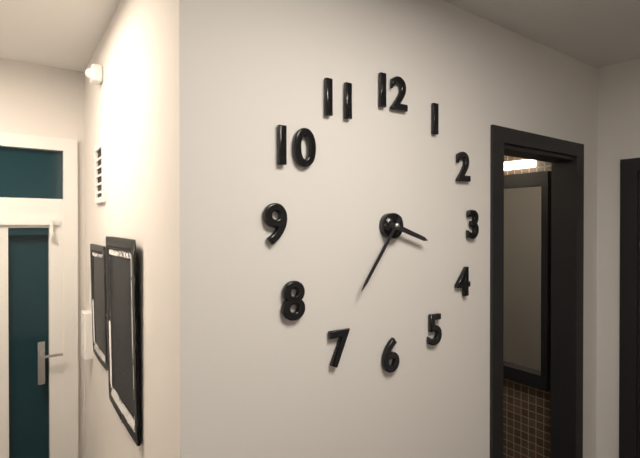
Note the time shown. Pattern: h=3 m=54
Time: h=3 m=36
